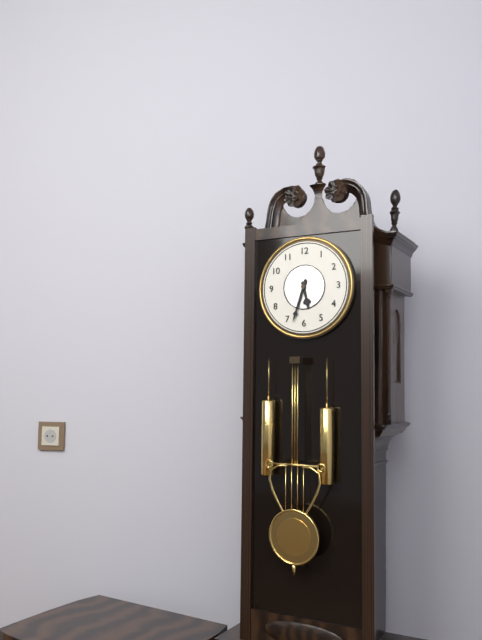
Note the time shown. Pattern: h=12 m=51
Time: h=5 m=33
